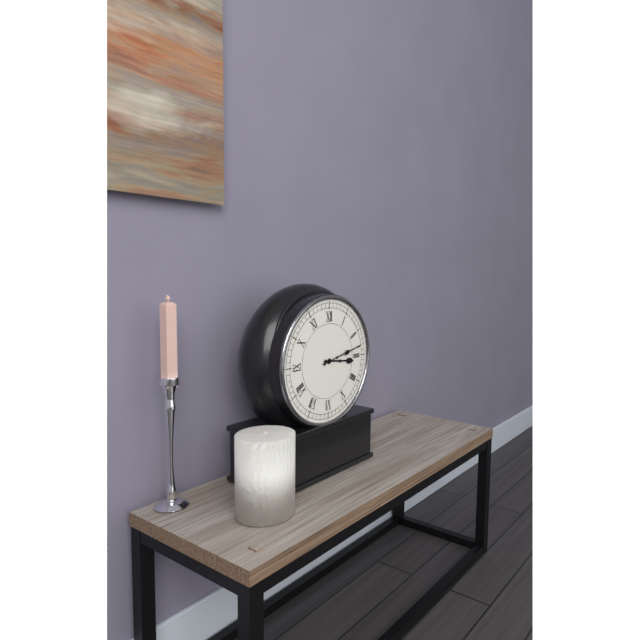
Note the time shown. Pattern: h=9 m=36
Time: h=3 m=13
